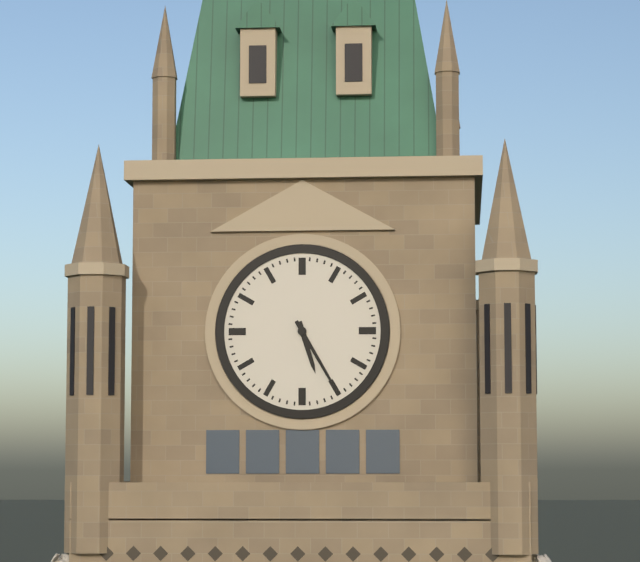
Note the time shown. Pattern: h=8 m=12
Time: h=5 m=25
